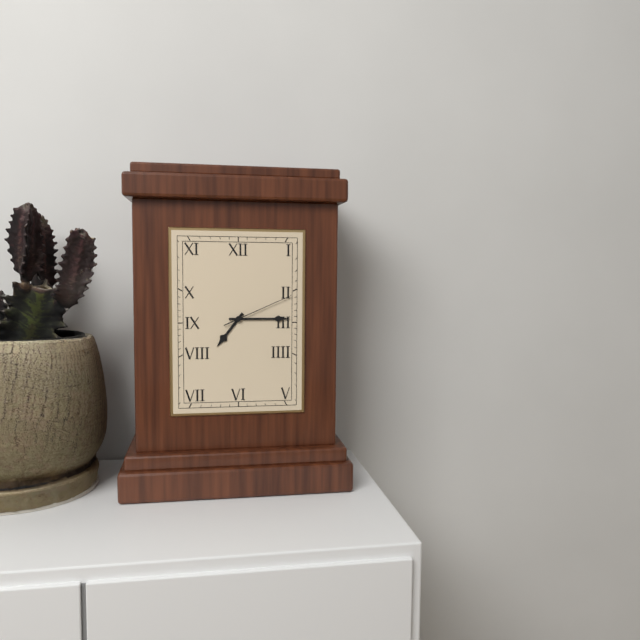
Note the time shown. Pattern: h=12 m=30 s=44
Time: h=7 m=15 s=11
